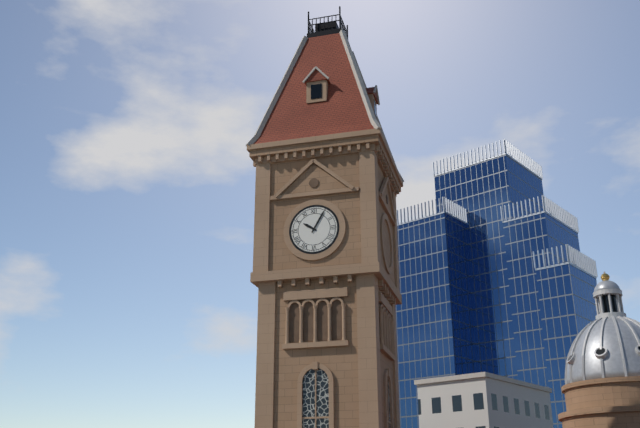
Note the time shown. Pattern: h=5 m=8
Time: h=10 m=5
